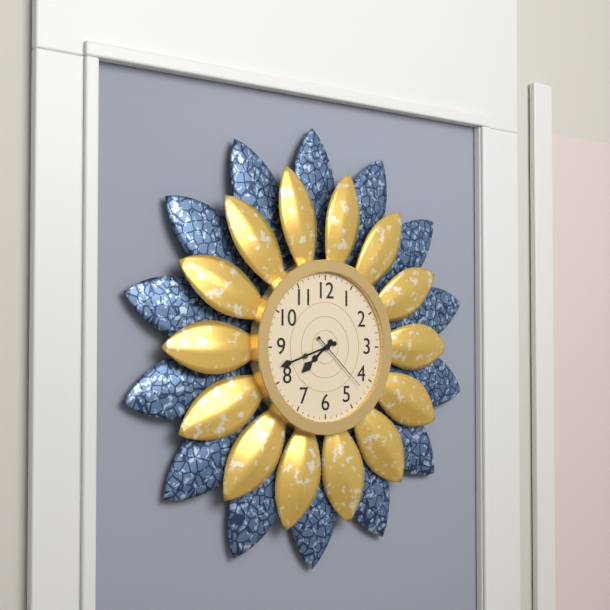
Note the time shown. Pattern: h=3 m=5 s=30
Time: h=7 m=42 s=22
